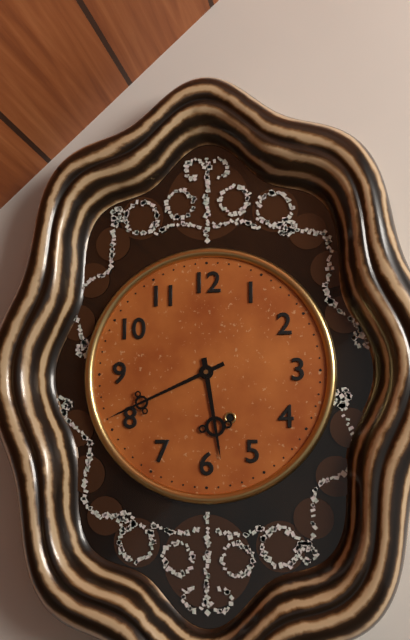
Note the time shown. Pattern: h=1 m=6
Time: h=5 m=41
